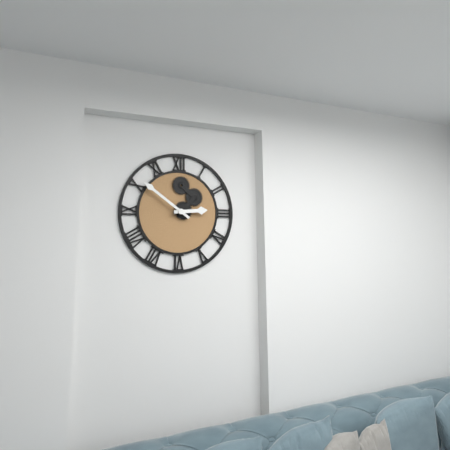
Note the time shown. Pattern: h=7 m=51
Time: h=2 m=51
